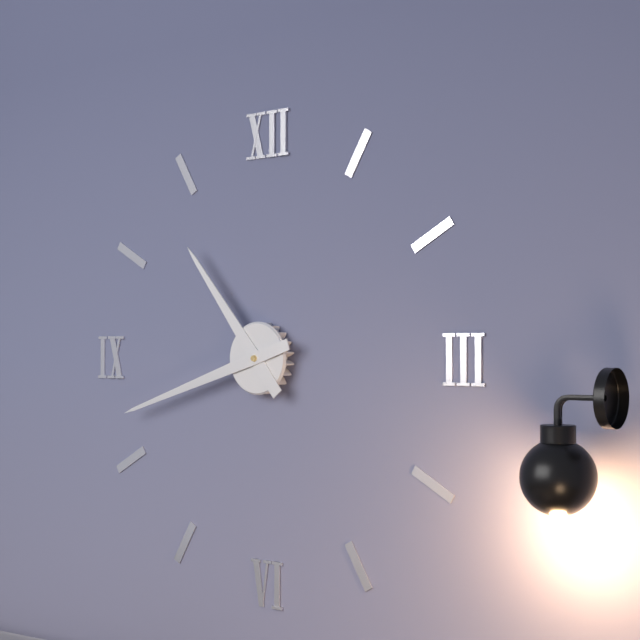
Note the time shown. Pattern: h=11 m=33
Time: h=10 m=42
